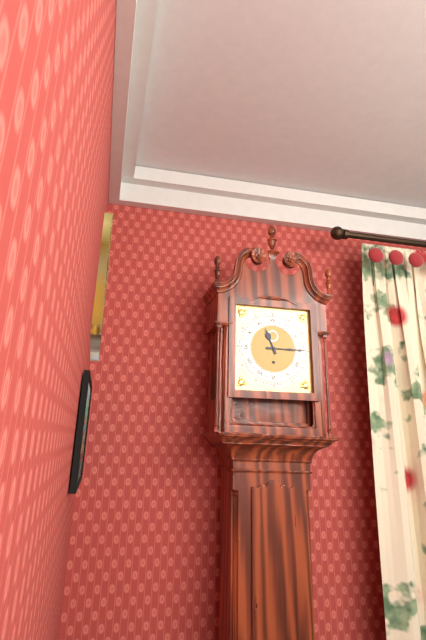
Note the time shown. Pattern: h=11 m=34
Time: h=11 m=15
